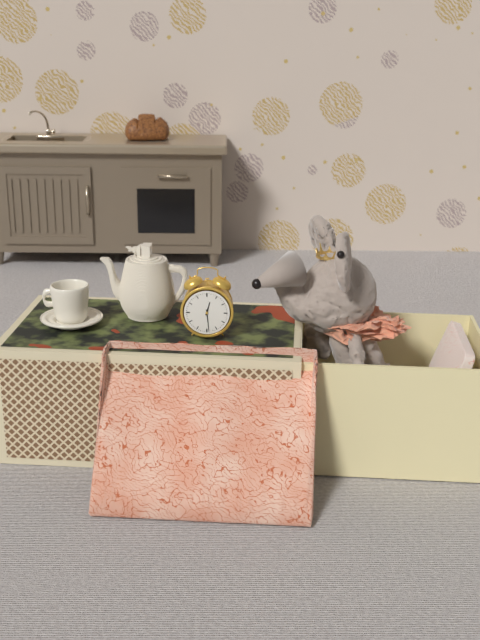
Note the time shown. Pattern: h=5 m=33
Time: h=12 m=29
